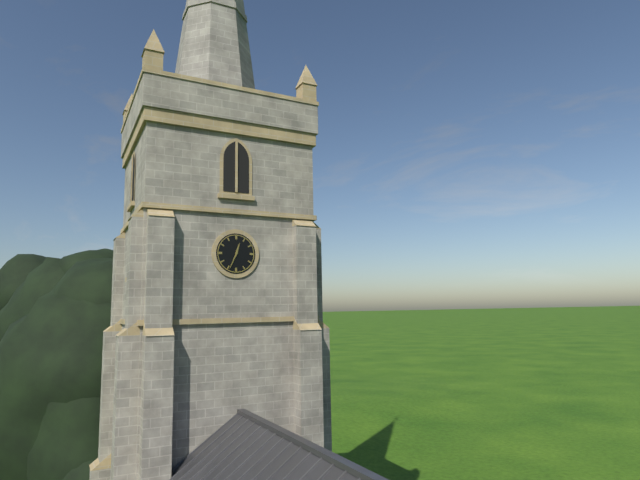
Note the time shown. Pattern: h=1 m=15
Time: h=12 m=34
